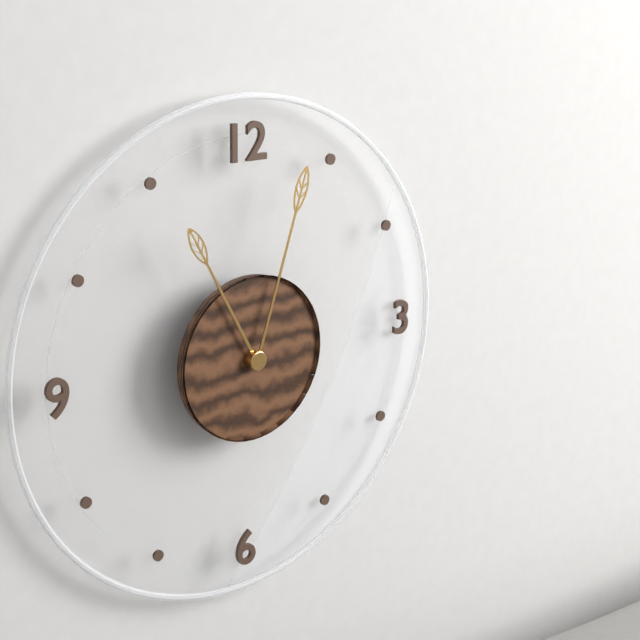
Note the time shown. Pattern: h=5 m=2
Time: h=11 m=3
